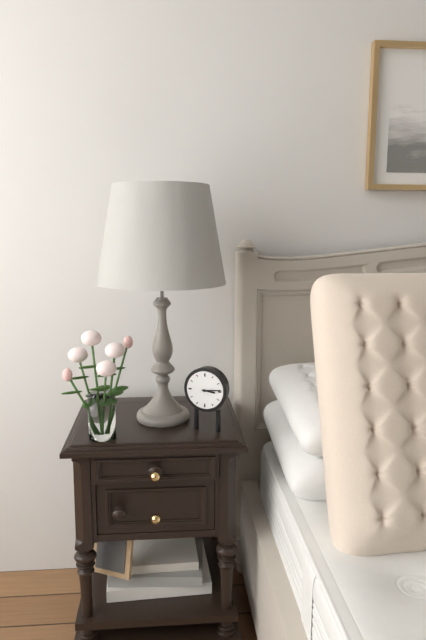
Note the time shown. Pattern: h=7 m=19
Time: h=3 m=14
